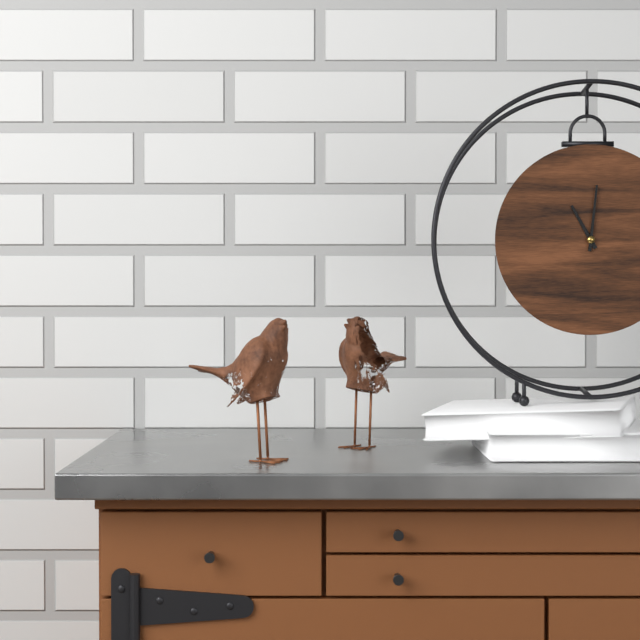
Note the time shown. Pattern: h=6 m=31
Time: h=11 m=1
